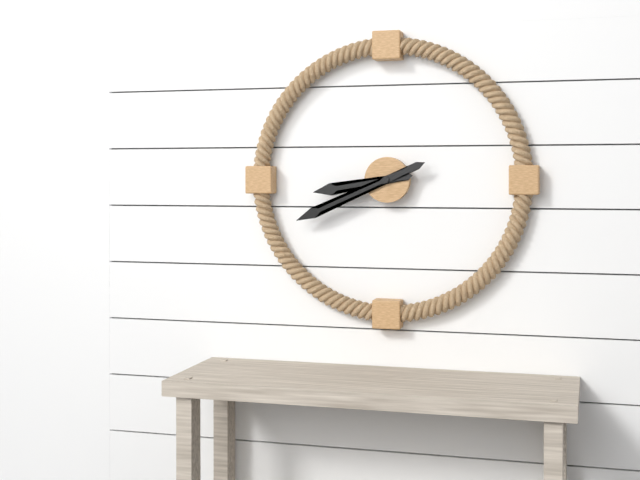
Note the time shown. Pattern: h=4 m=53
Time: h=8 m=41
